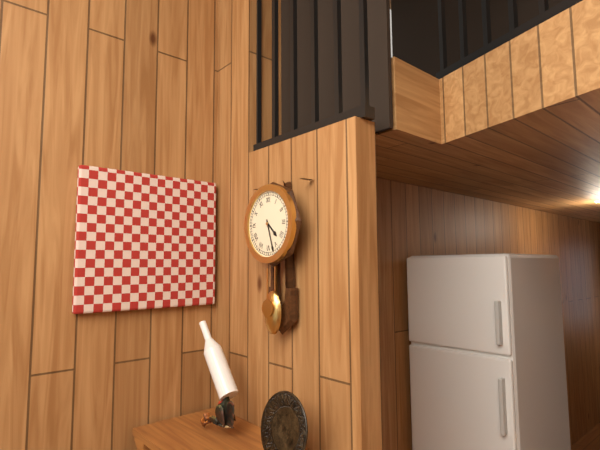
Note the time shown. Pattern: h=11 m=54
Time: h=4 m=27
